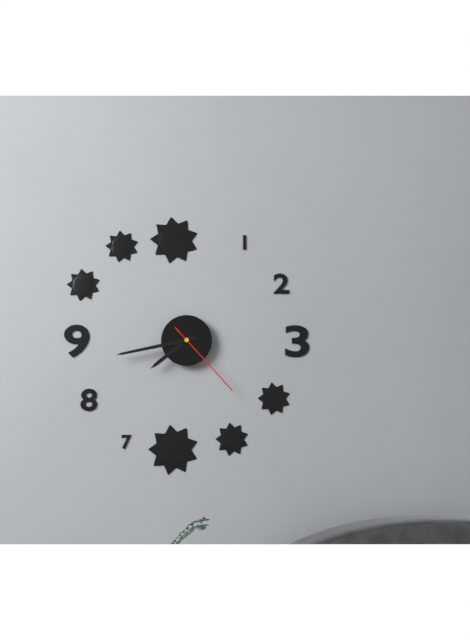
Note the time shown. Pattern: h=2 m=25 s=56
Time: h=7 m=43 s=23
